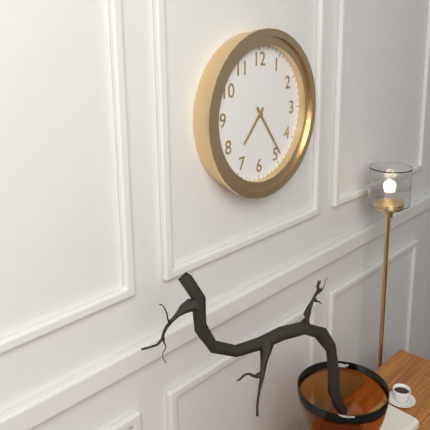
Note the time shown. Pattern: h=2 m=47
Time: h=7 m=24
